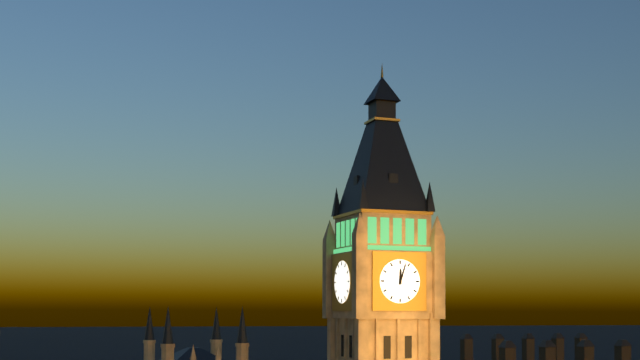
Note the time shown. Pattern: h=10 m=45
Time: h=12 m=3
